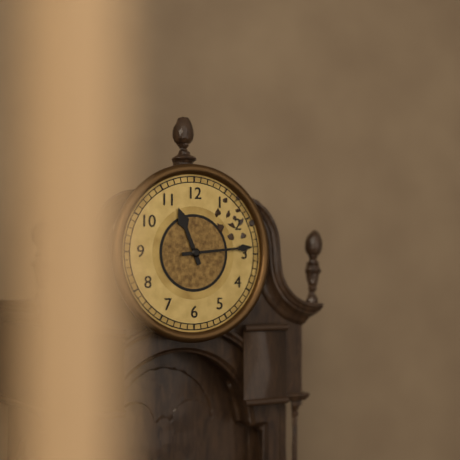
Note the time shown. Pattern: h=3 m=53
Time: h=11 m=14
